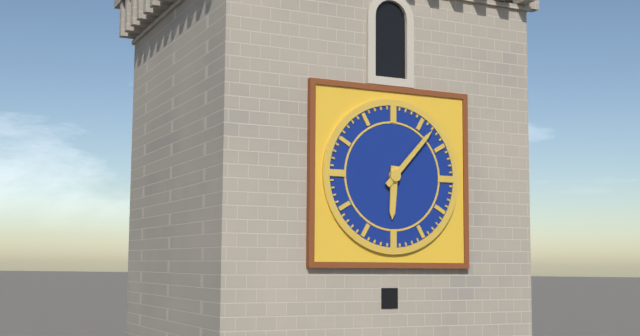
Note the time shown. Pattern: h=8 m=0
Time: h=6 m=7
